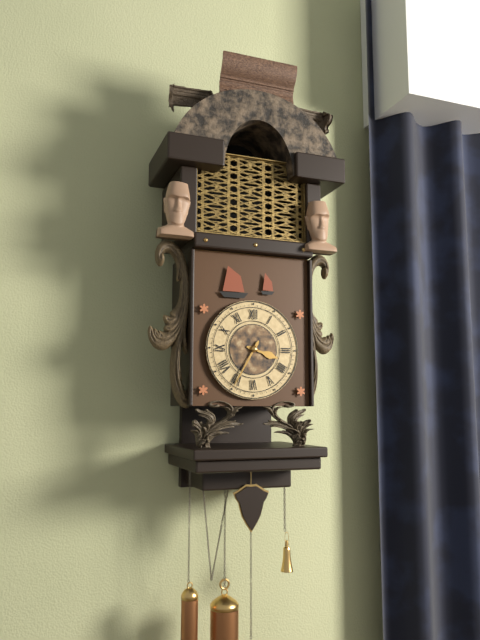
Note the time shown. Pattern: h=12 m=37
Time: h=3 m=35
